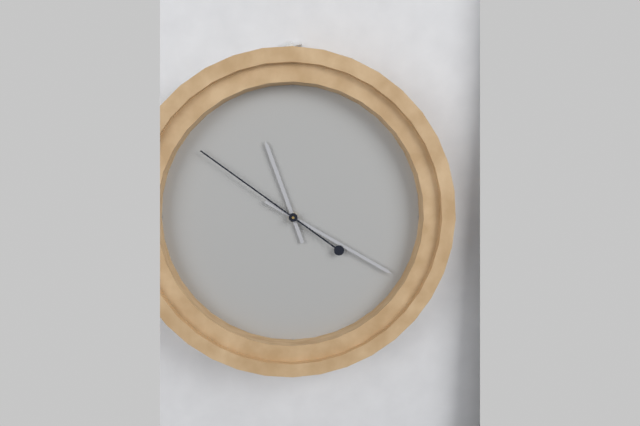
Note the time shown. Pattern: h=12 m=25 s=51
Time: h=11 m=20 s=51
